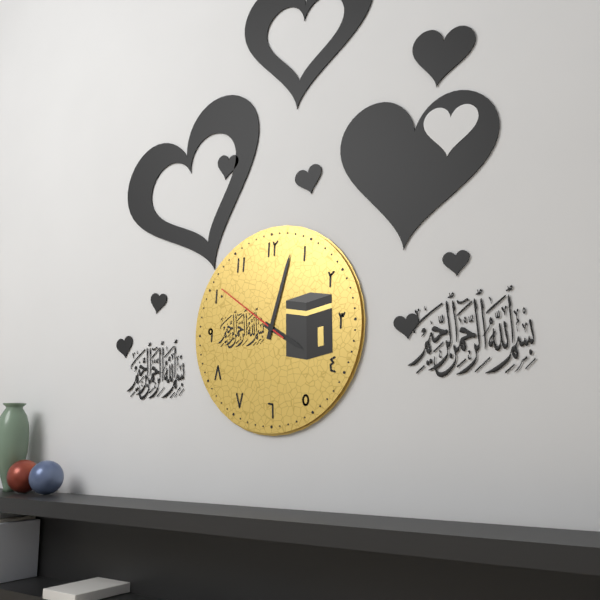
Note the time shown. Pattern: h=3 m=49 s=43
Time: h=4 m=3 s=51
